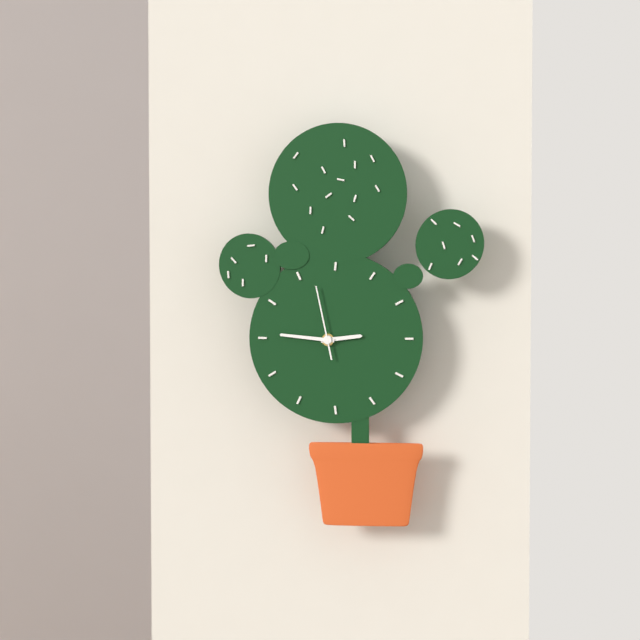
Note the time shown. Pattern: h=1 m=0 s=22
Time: h=2 m=46 s=58
